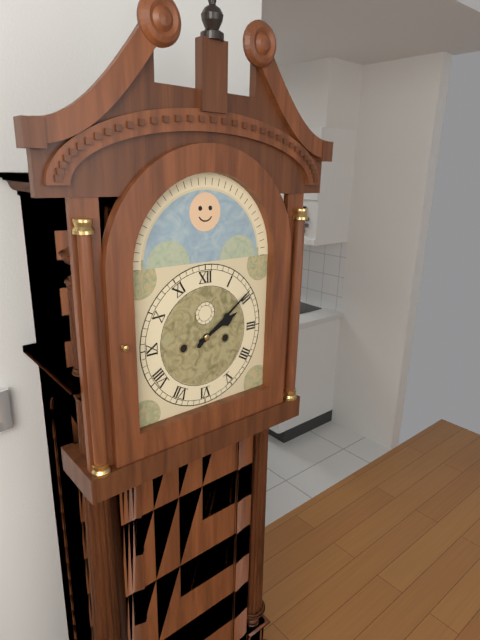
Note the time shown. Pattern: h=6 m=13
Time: h=2 m=9
